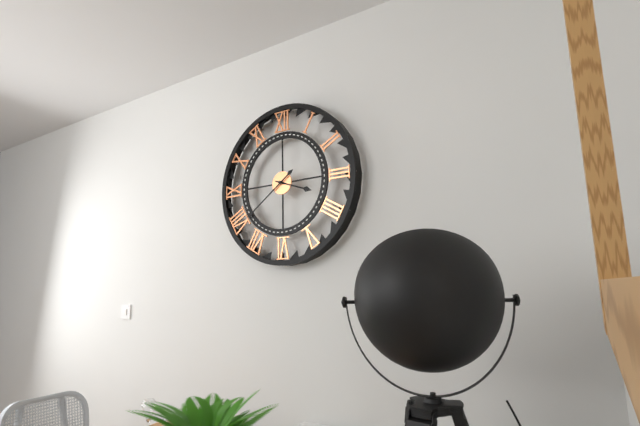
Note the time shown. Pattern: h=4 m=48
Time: h=3 m=39
